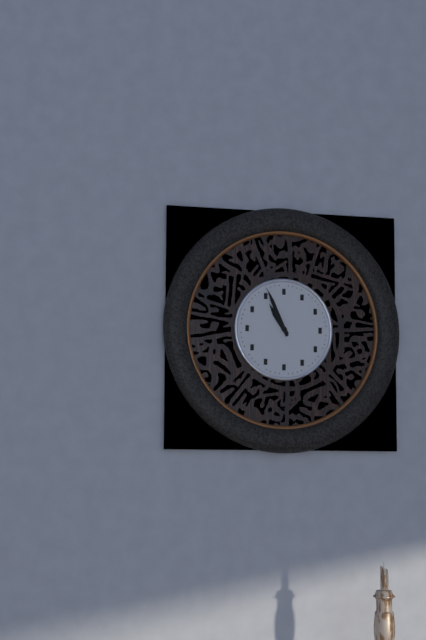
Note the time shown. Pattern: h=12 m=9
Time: h=10 m=56
